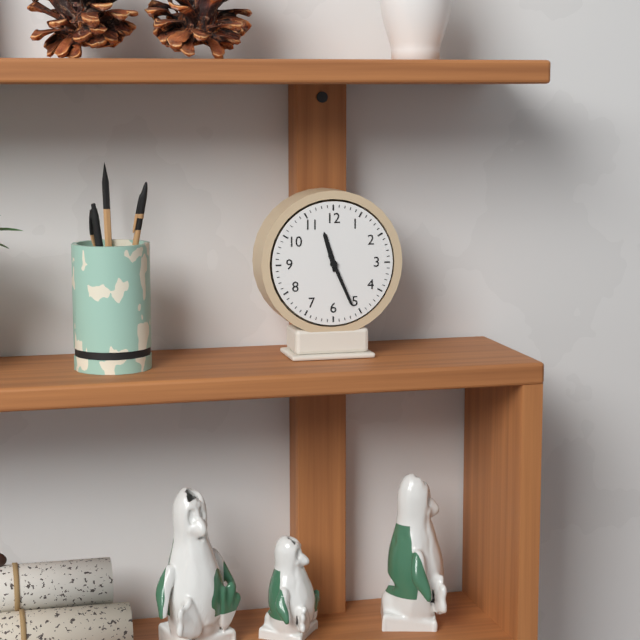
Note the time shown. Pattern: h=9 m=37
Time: h=11 m=26
